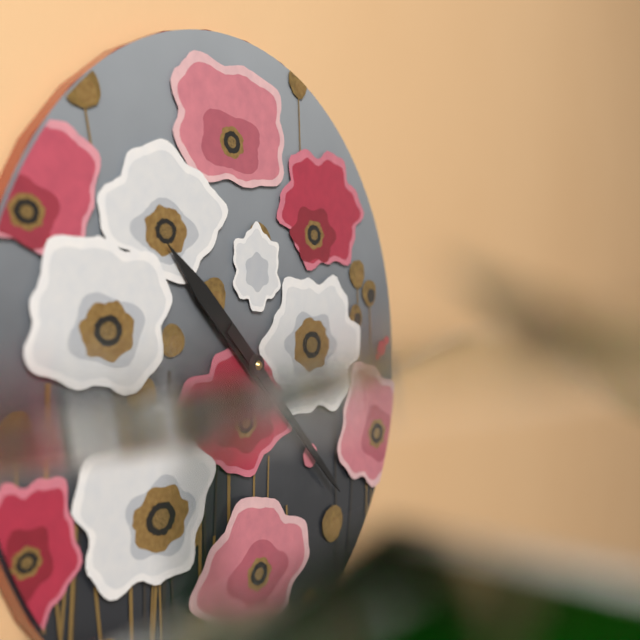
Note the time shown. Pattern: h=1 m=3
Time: h=10 m=22
